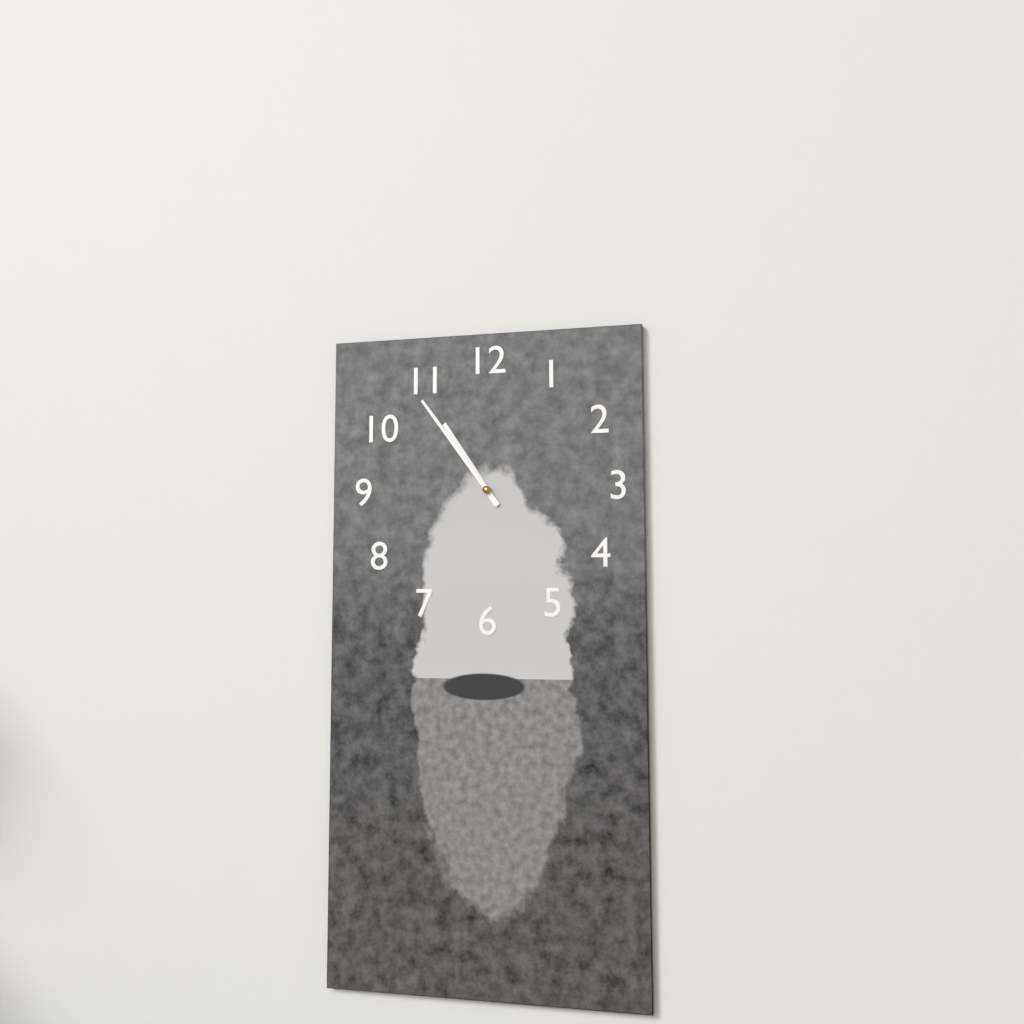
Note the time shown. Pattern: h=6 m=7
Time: h=10 m=54
